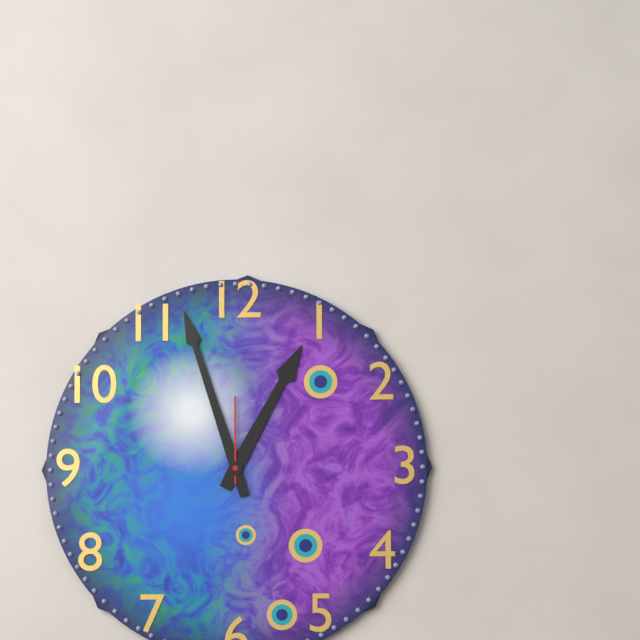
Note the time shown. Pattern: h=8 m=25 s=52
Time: h=12 m=57 s=0
